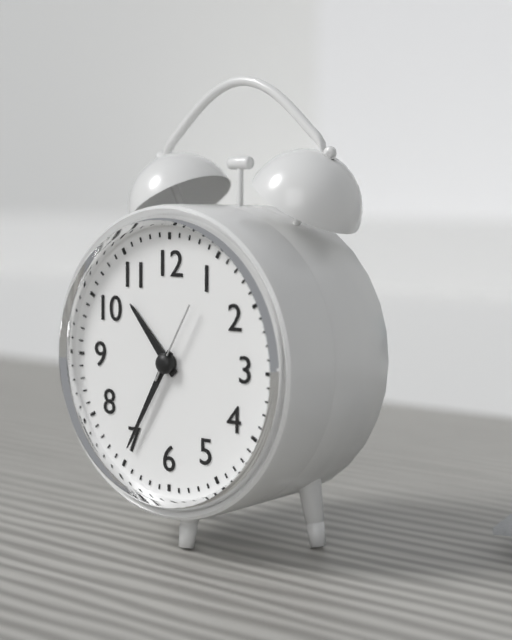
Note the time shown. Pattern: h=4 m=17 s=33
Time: h=10 m=35 s=5
